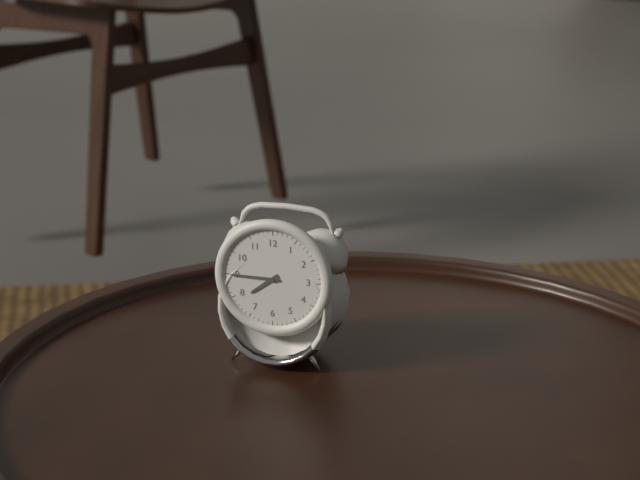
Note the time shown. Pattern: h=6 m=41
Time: h=7 m=45
